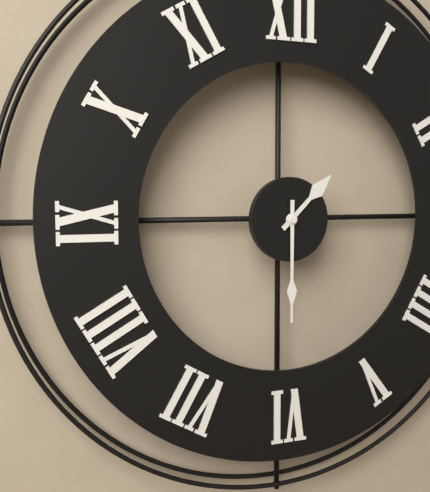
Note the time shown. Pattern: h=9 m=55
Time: h=1 m=30
